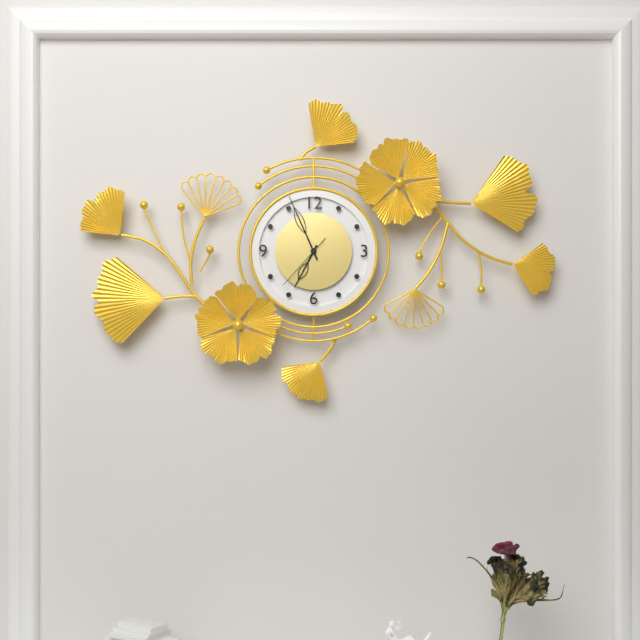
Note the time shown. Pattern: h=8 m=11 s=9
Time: h=6 m=56 s=37
